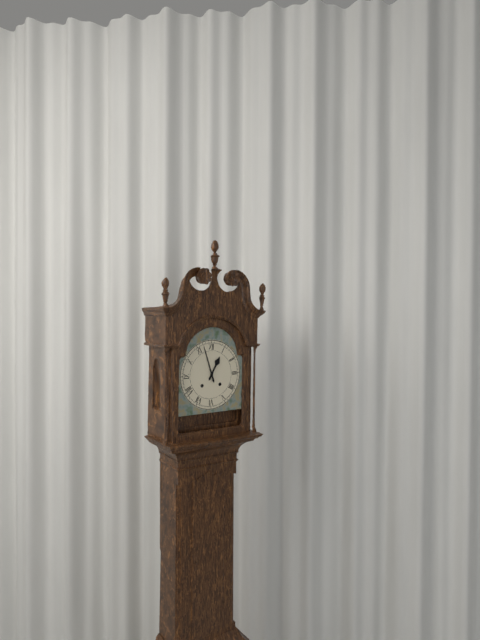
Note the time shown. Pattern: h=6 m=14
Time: h=12 m=57
